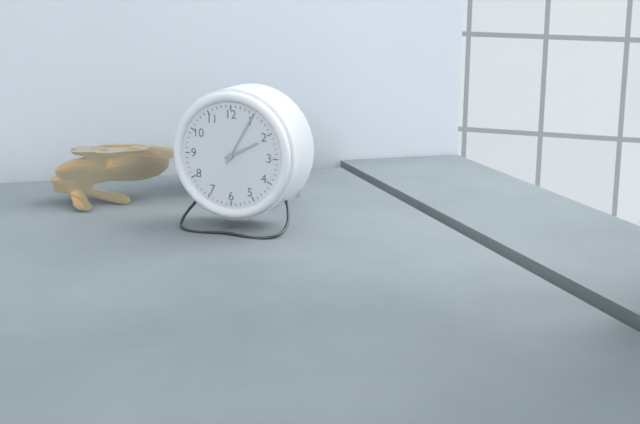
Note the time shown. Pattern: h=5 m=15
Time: h=2 m=5
